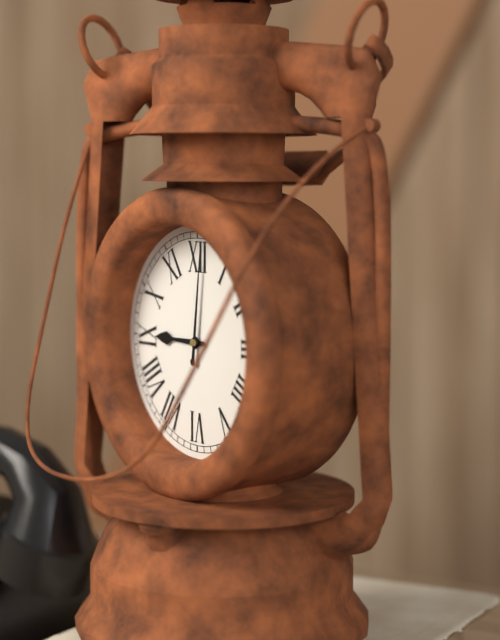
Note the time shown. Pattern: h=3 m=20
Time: h=9 m=1
